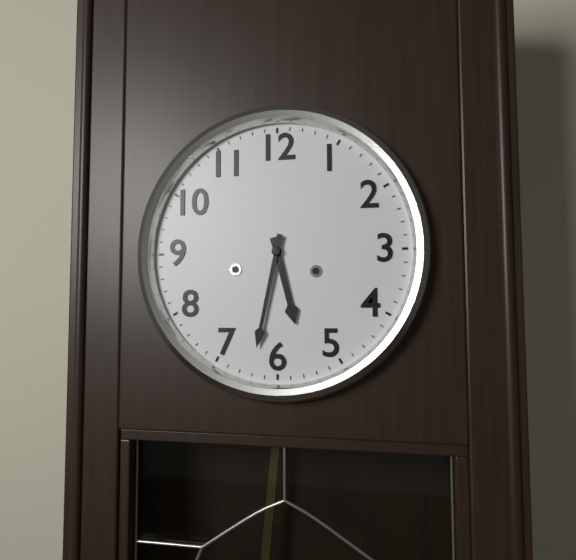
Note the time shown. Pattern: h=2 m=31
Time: h=5 m=32
